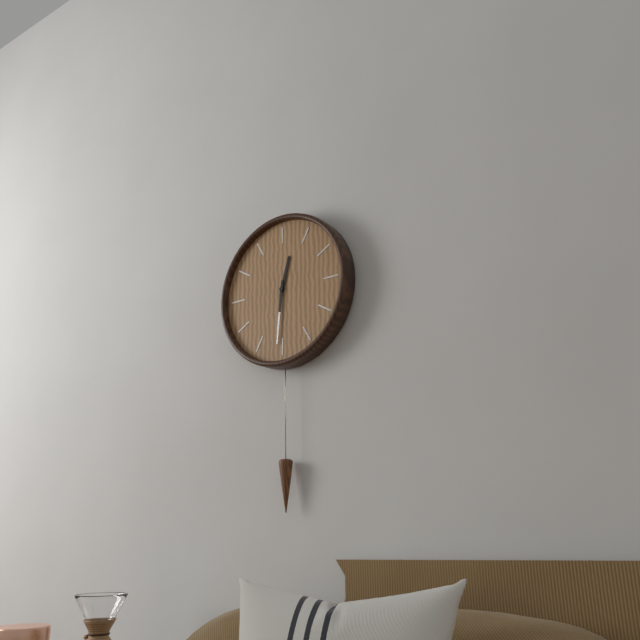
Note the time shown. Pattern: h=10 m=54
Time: h=12 m=31
